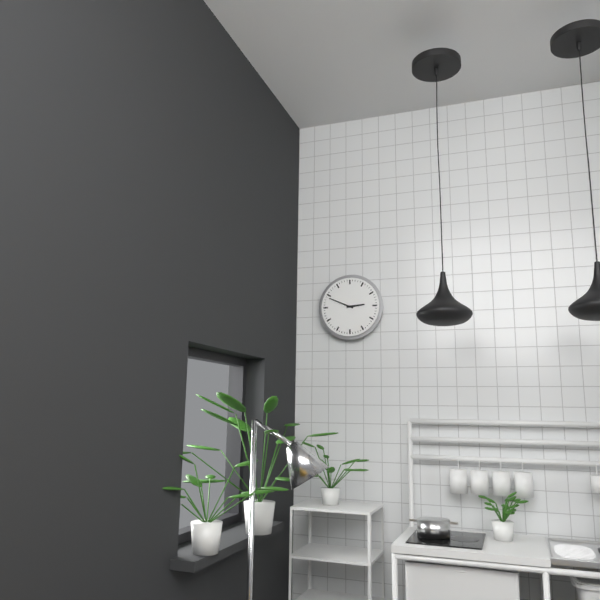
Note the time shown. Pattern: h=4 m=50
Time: h=2 m=49
